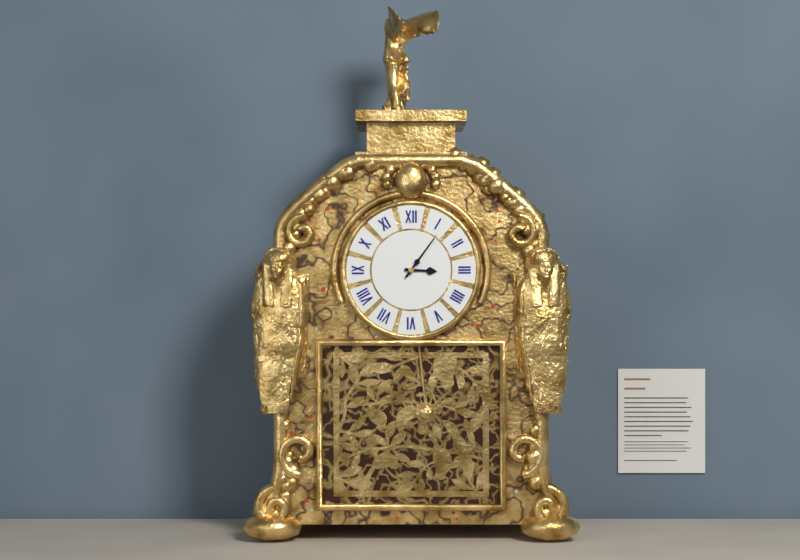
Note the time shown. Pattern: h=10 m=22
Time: h=3 m=6
